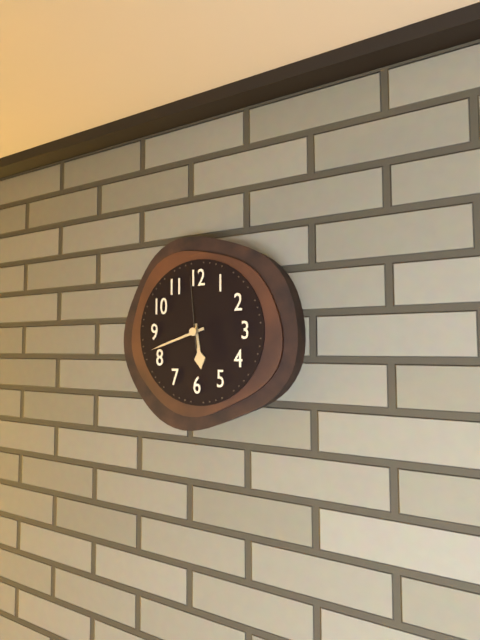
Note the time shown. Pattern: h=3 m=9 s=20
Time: h=5 m=42 s=59
